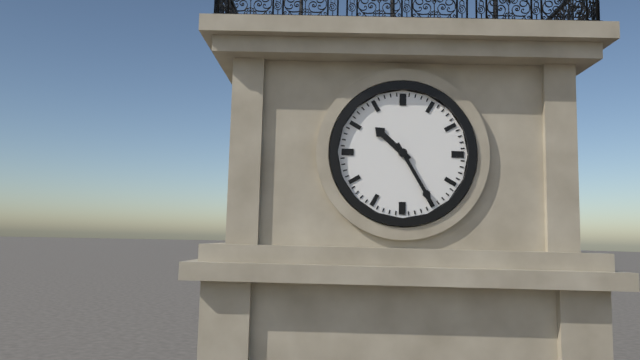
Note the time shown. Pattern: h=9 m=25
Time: h=10 m=25
